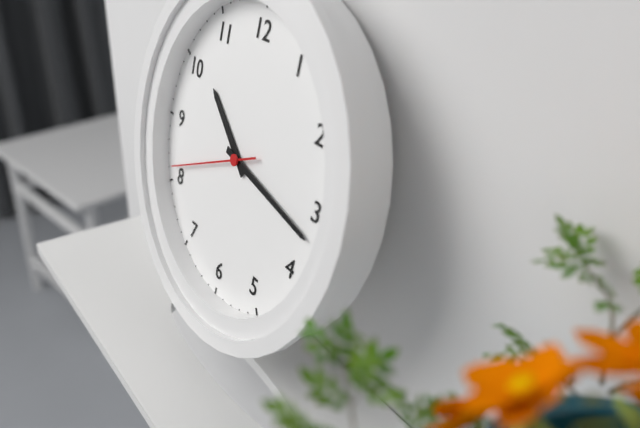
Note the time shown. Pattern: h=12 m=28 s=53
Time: h=10 m=17 s=41
